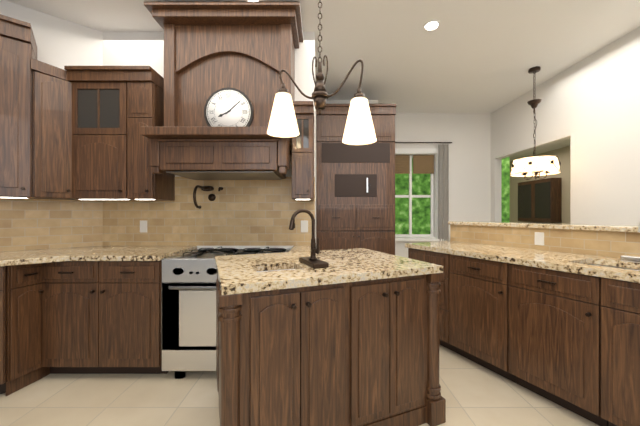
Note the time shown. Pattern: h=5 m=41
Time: h=8 m=8
